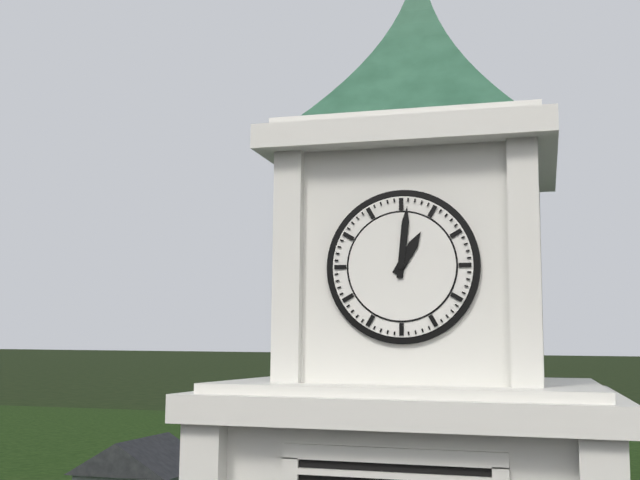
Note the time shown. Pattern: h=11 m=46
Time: h=1 m=1
